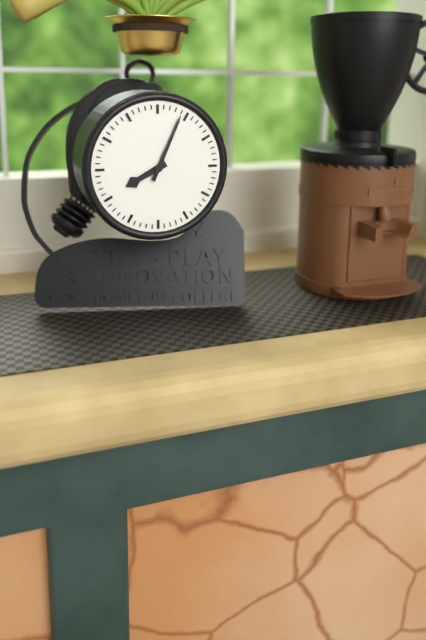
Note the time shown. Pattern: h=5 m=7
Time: h=8 m=4
